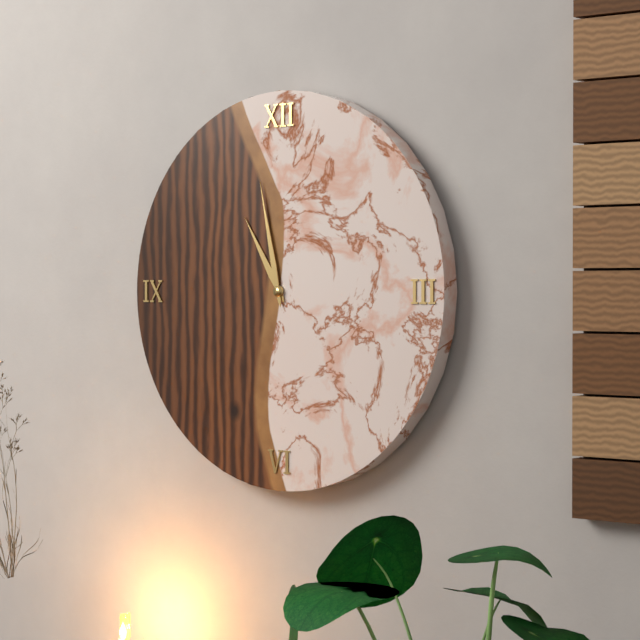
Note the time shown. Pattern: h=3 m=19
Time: h=10 m=58
